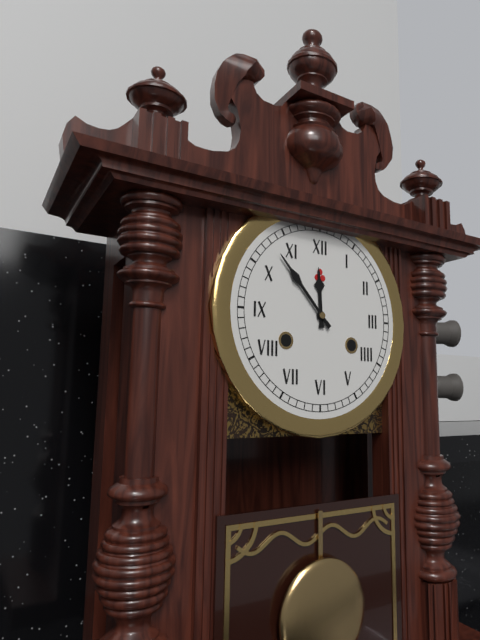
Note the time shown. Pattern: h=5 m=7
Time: h=11 m=53
